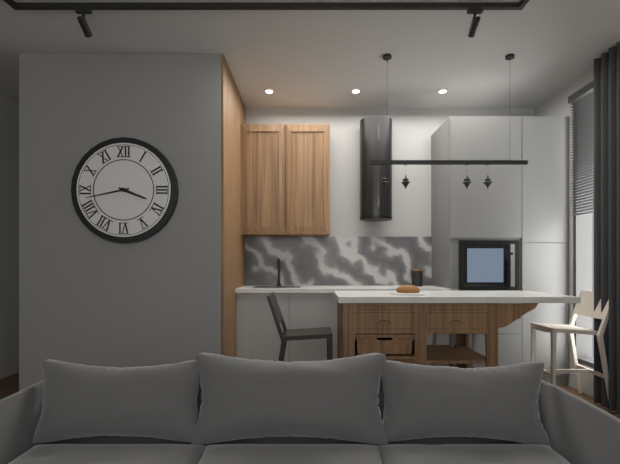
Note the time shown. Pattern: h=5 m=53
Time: h=3 m=43
